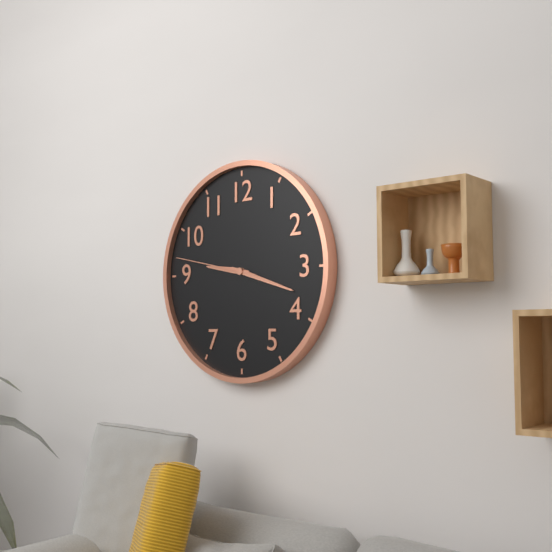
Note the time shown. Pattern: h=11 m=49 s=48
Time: h=9 m=18 s=47
